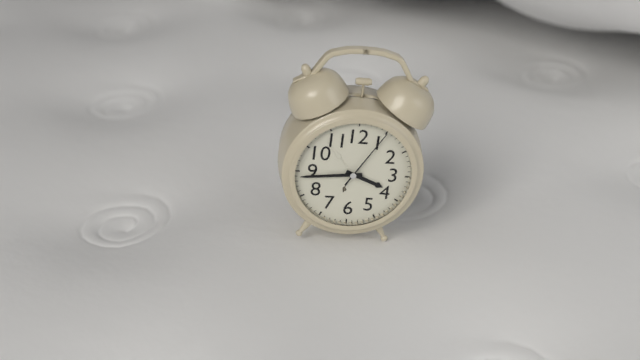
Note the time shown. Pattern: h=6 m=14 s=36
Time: h=3 m=44 s=5
